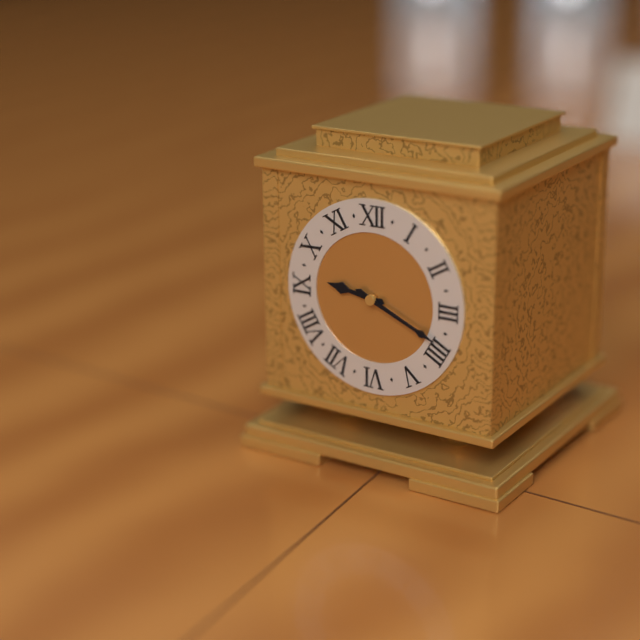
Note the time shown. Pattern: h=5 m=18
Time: h=9 m=19
